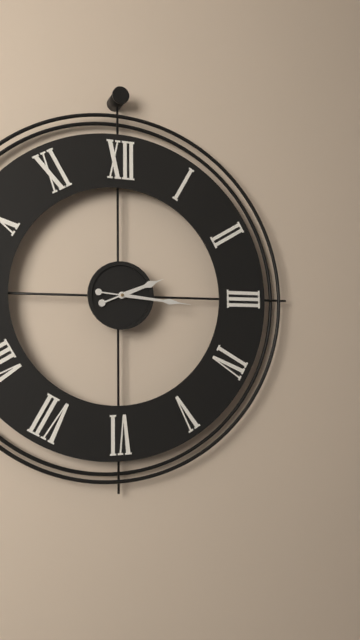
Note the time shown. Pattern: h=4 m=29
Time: h=2 m=16
